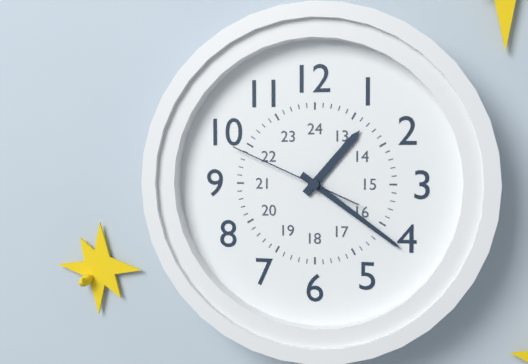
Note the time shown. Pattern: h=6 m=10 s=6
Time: h=1 m=21 s=49
